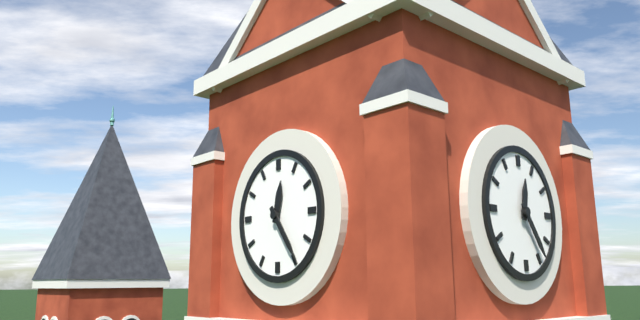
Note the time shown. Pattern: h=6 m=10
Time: h=12 m=24
